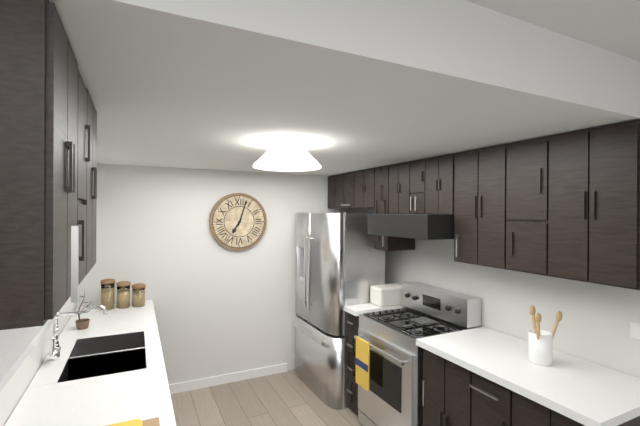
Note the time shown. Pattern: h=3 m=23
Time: h=7 m=3
